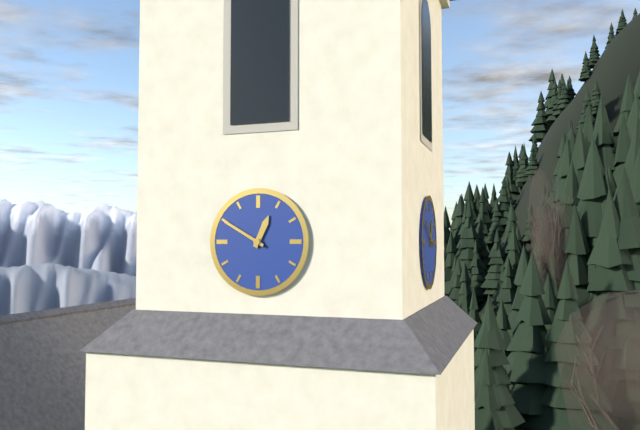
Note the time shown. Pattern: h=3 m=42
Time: h=12 m=50
